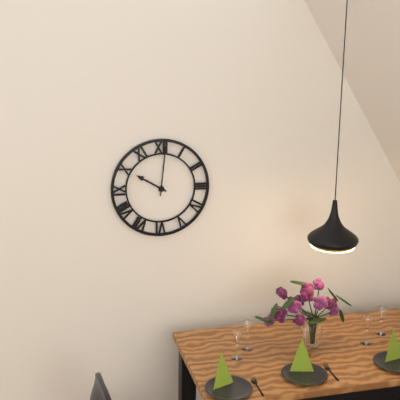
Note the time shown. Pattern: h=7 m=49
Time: h=10 m=1
